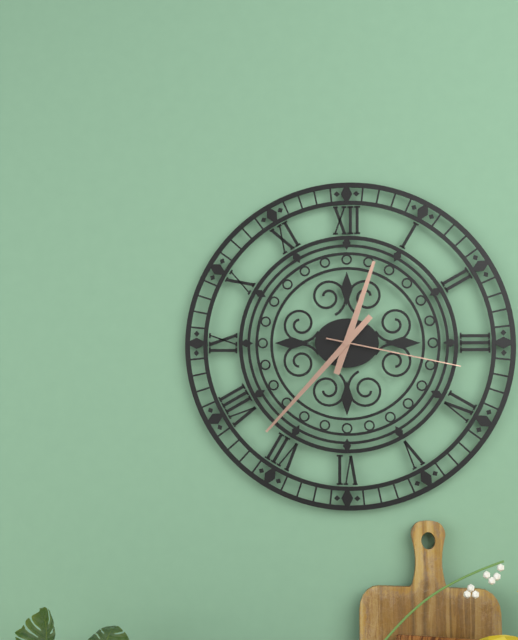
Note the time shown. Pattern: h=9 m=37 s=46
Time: h=12 m=37 s=17
